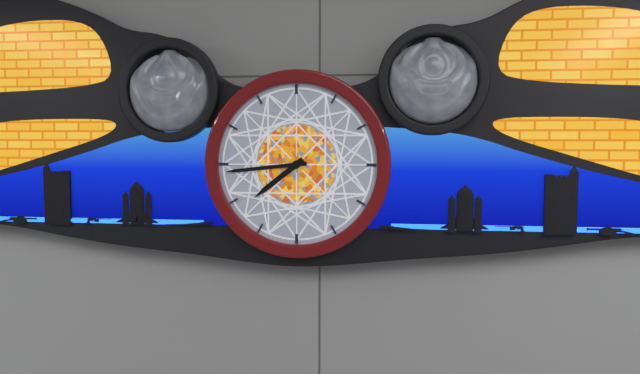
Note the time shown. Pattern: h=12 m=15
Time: h=7 m=44
